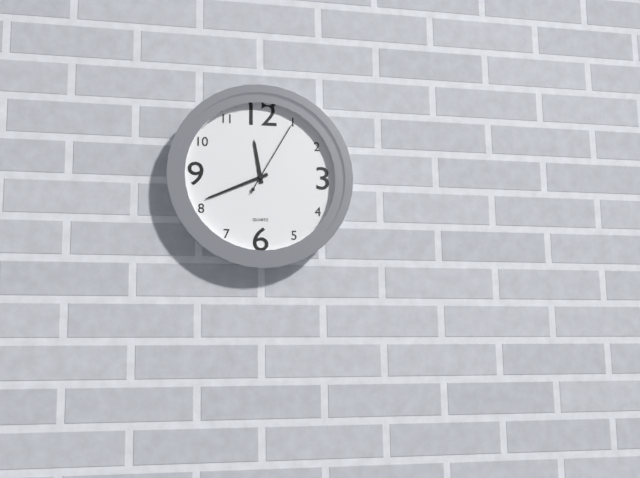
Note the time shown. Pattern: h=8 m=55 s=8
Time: h=11 m=41 s=5
